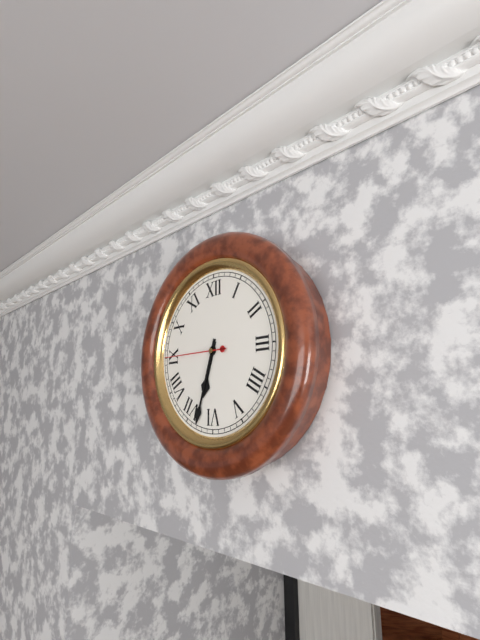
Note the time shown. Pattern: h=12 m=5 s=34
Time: h=6 m=33 s=45
